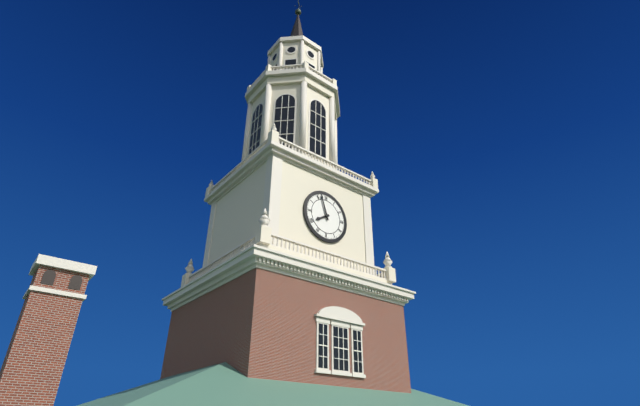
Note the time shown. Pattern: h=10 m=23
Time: h=7 m=57
